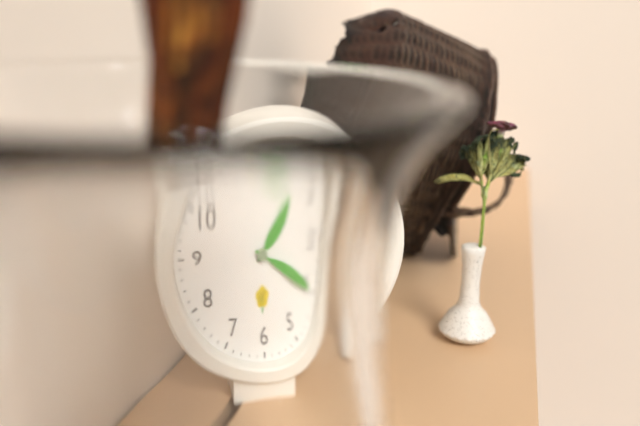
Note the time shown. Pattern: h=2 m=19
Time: h=1 m=20
